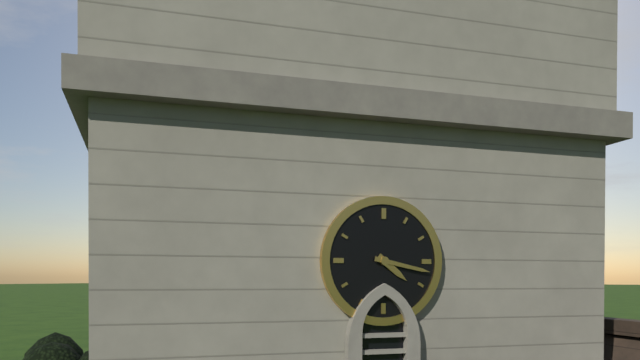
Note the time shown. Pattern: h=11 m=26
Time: h=4 m=17
